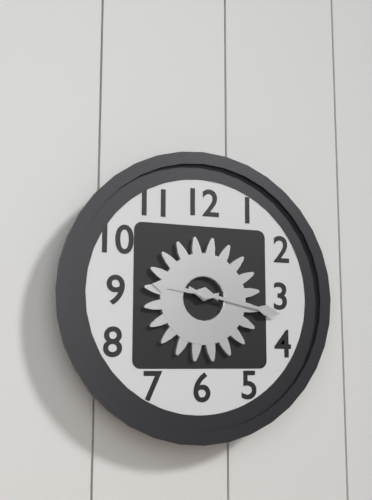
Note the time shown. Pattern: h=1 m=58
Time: h=9 m=17
